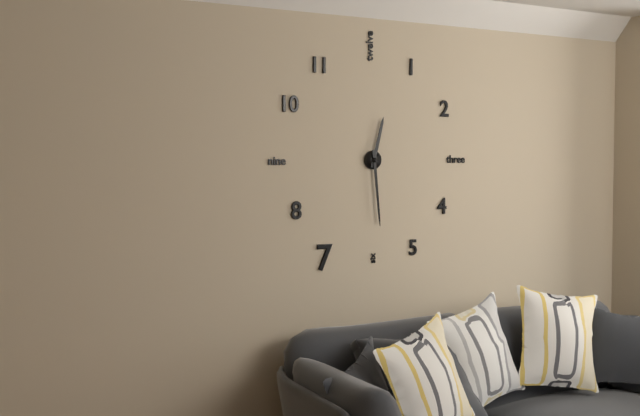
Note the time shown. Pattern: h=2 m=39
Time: h=12 m=29
